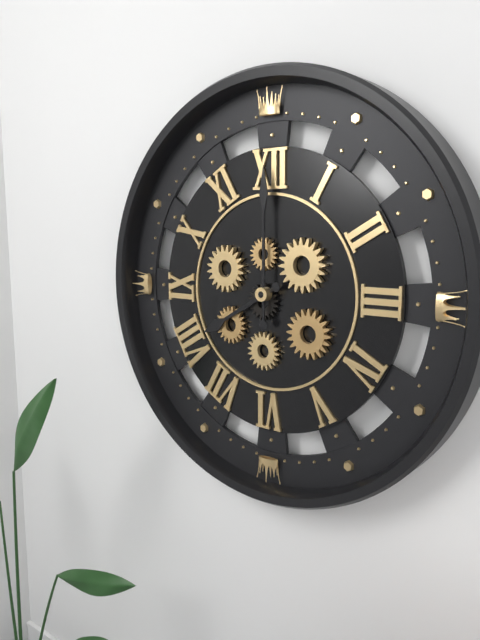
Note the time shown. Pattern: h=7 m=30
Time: h=8 m=0
